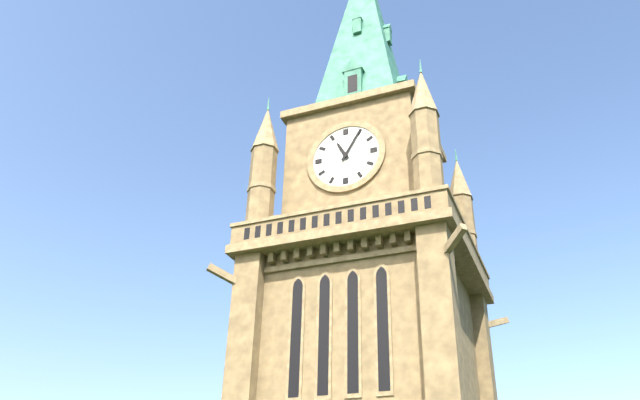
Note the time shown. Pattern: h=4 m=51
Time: h=11 m=5
